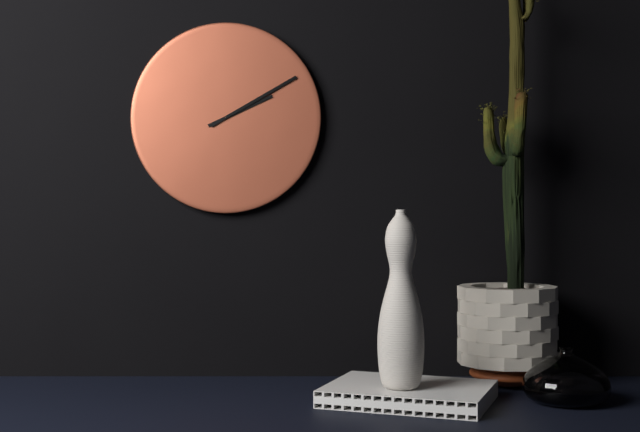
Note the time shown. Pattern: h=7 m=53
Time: h=2 m=10
